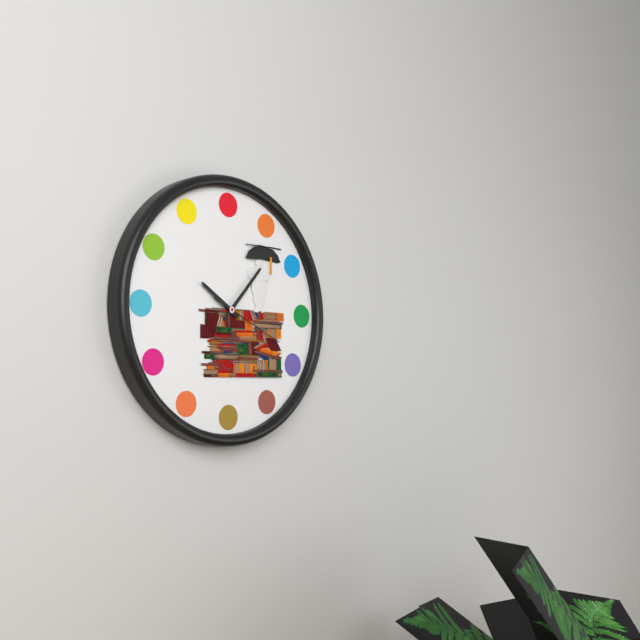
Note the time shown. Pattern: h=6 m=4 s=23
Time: h=10 m=7 s=19
